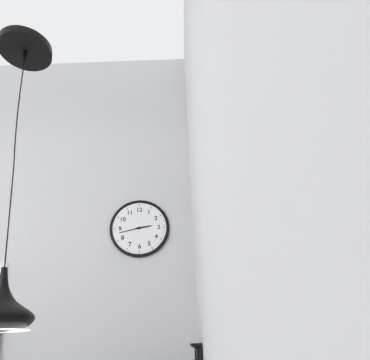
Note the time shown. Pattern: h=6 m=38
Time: h=2 m=43
